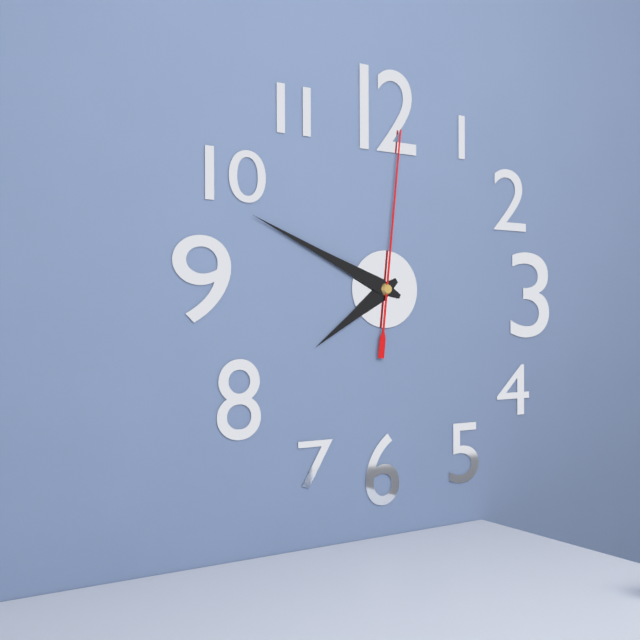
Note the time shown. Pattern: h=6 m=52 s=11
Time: h=7 m=49 s=1
